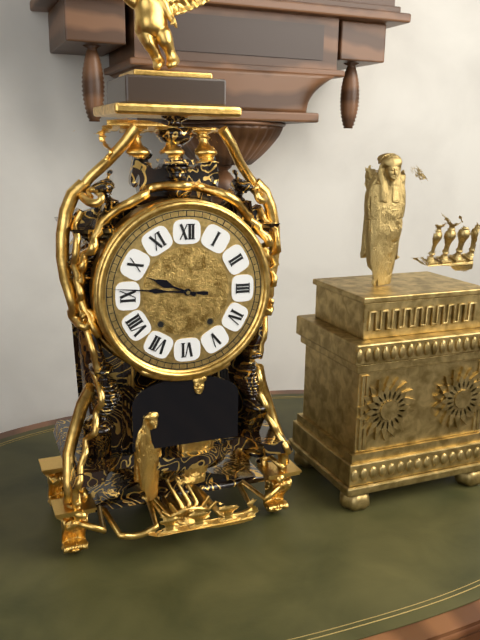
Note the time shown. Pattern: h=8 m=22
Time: h=9 m=46
